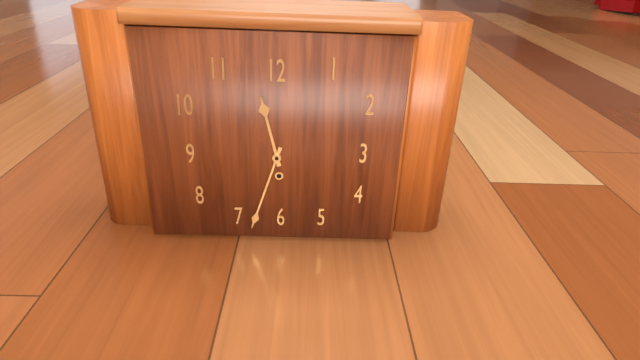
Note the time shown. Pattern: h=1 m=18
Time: h=11 m=33
